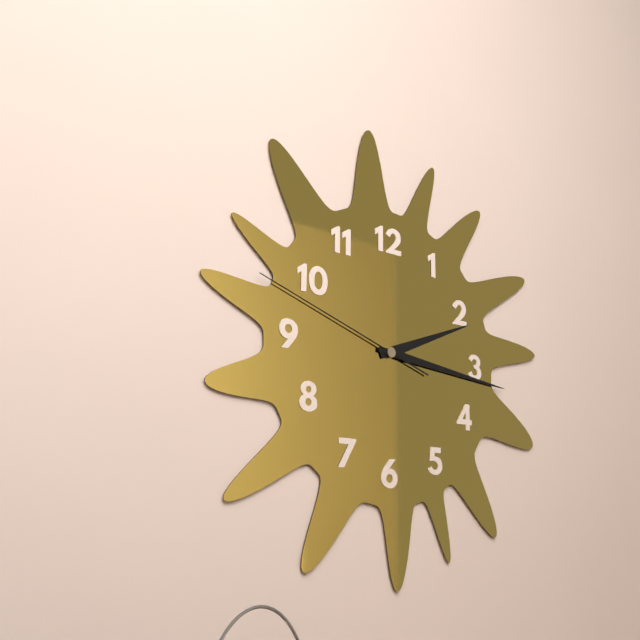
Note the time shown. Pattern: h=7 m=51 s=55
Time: h=2 m=16 s=48
